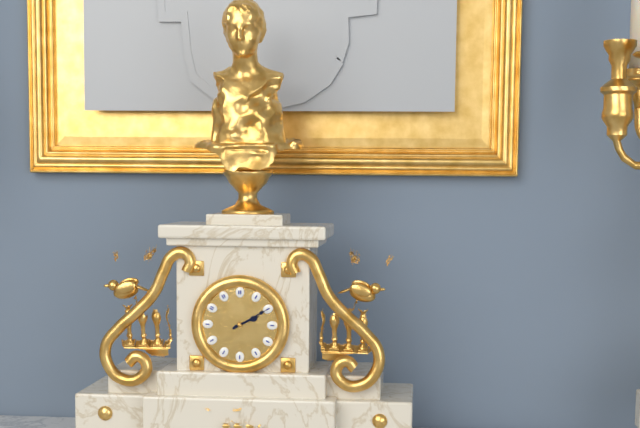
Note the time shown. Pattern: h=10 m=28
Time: h=2 m=10
